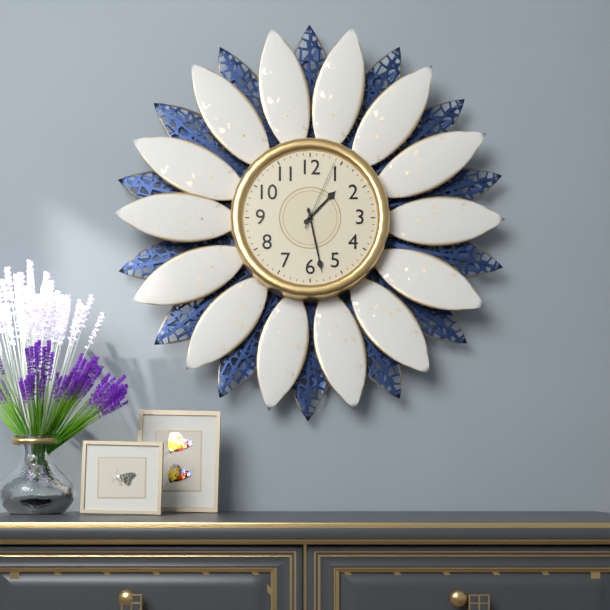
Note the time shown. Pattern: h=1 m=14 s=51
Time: h=1 m=28 s=4
